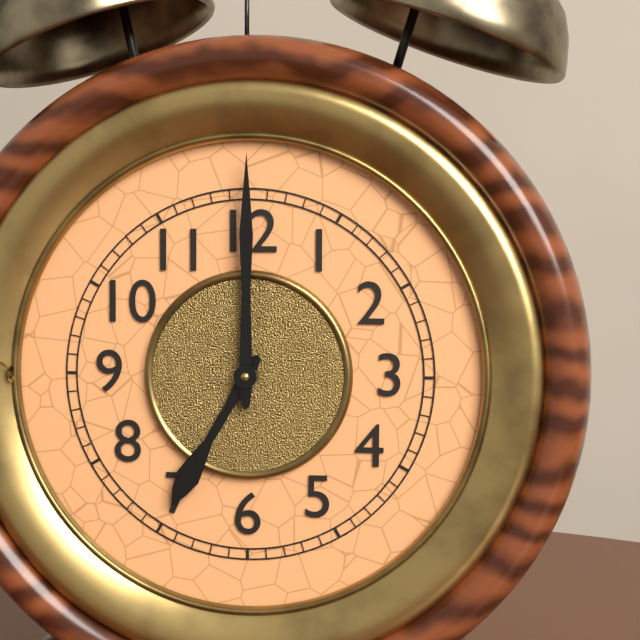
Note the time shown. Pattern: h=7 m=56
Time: h=7 m=0
